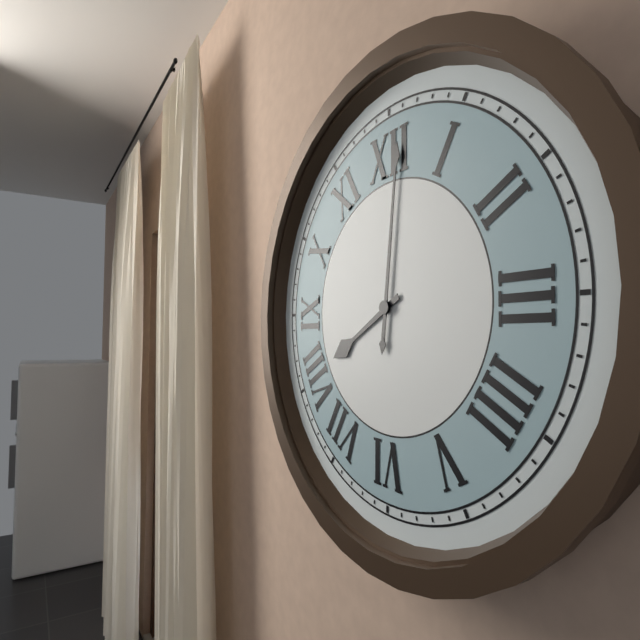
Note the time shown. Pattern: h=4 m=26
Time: h=8 m=1
